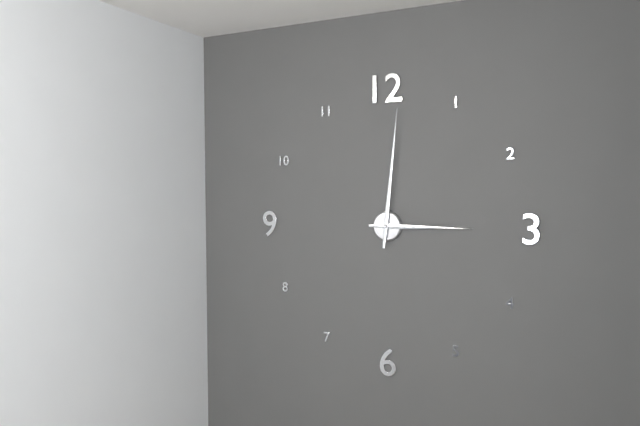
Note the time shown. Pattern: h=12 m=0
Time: h=3 m=1
